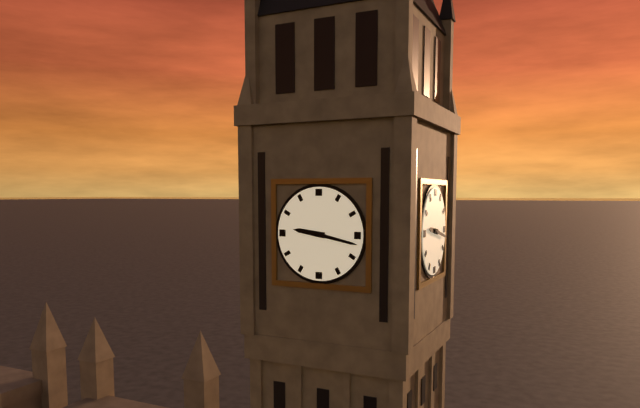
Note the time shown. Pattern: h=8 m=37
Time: h=9 m=17
